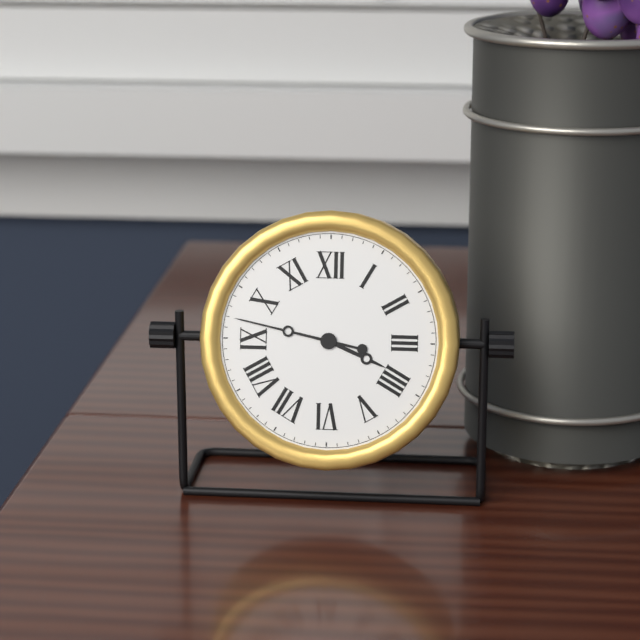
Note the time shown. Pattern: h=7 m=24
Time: h=3 m=47
